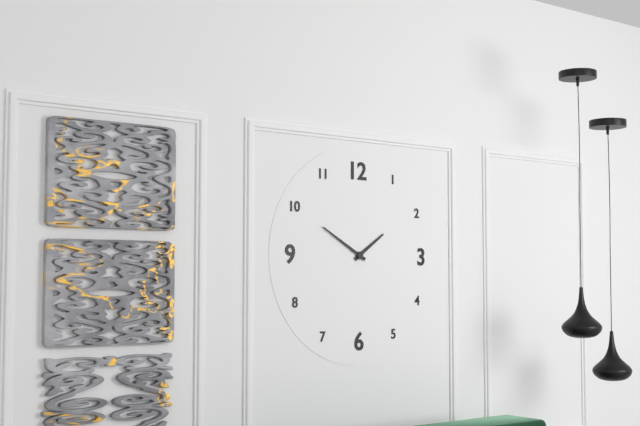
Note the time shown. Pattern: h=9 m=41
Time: h=1 m=50
